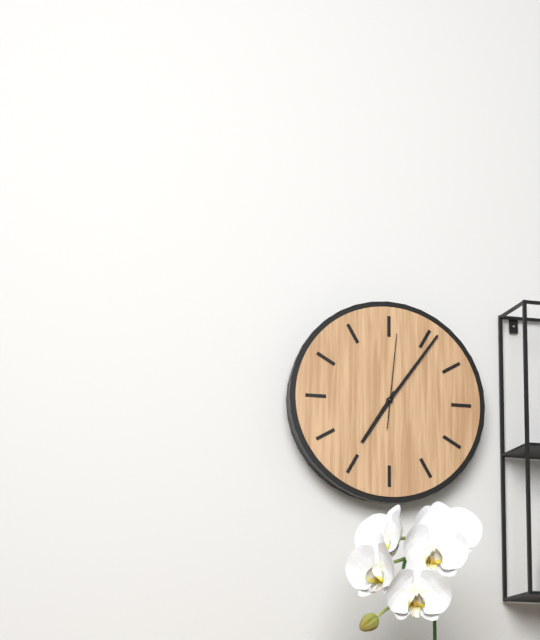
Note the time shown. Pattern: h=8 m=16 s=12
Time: h=7 m=6 s=1
